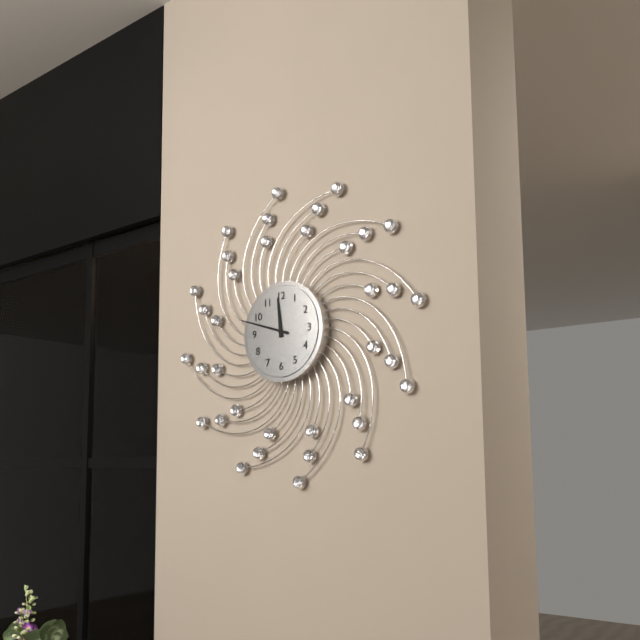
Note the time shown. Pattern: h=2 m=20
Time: h=11 m=48
